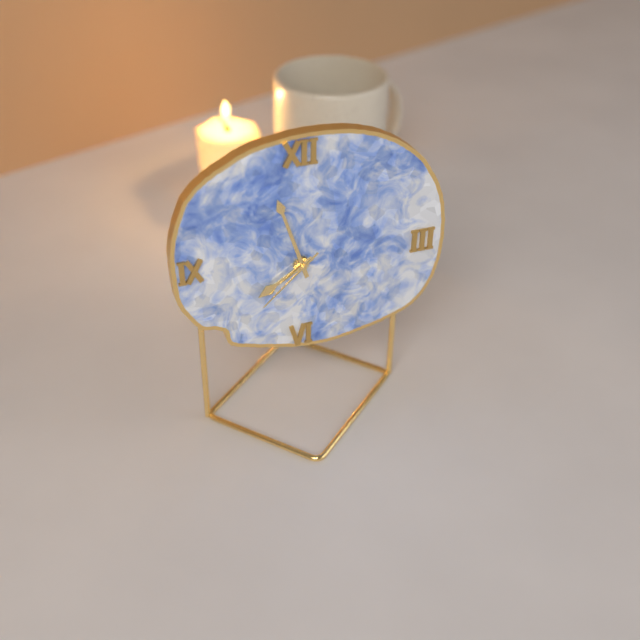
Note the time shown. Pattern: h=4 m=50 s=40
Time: h=7 m=57 s=38
